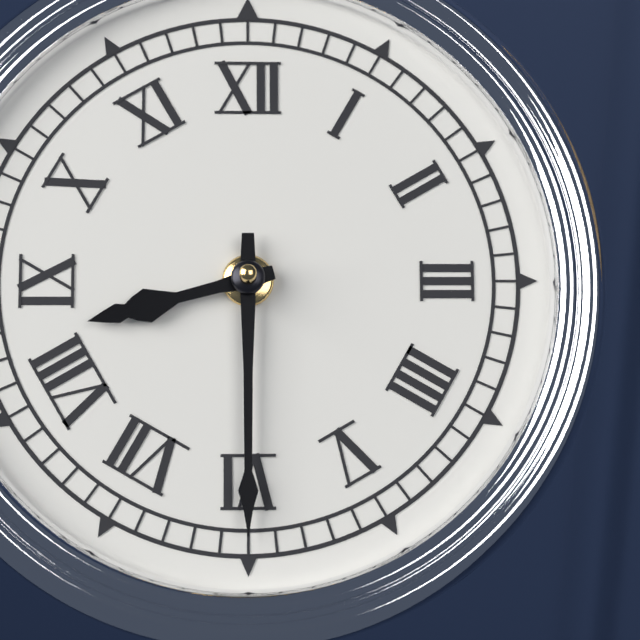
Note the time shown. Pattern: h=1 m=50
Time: h=8 m=30
